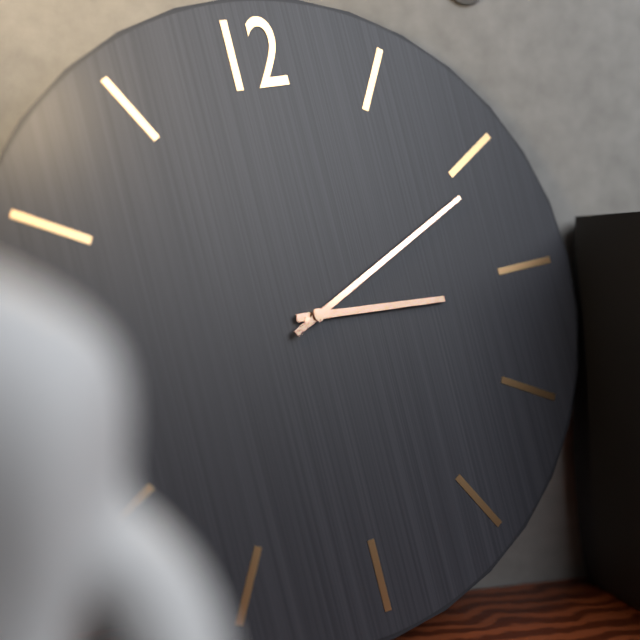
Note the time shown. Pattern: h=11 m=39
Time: h=3 m=11
